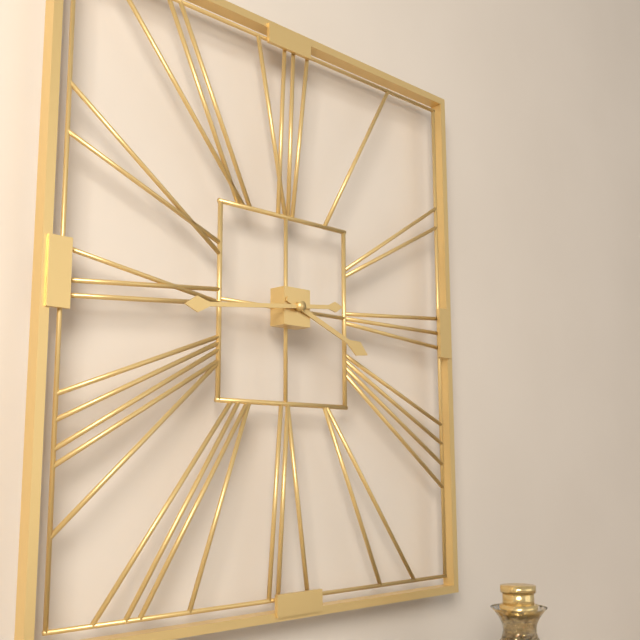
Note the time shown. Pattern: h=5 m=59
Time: h=3 m=44
